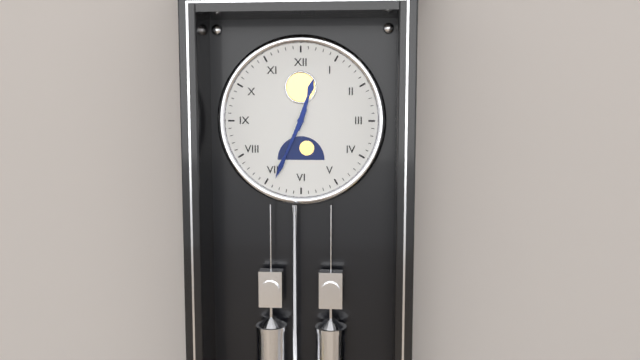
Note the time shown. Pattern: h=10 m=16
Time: h=12 m=34
